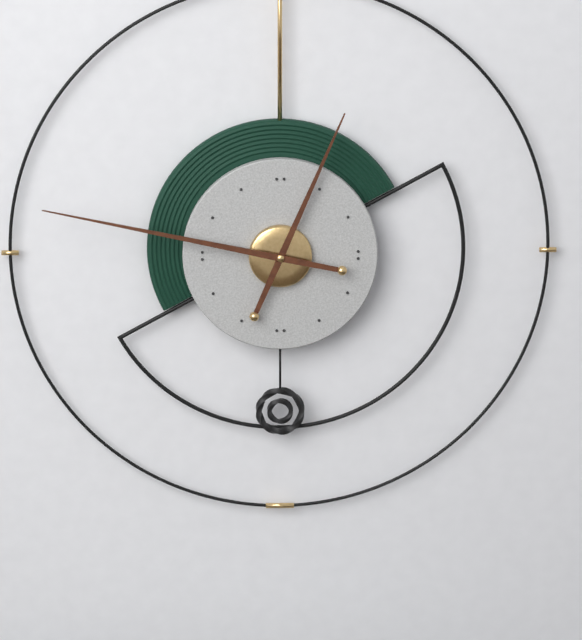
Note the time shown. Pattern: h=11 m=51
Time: h=12 m=47
